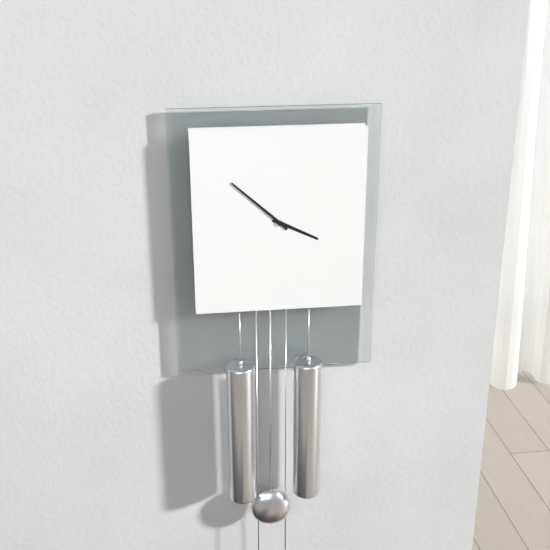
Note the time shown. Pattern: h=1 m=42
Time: h=3 m=52
